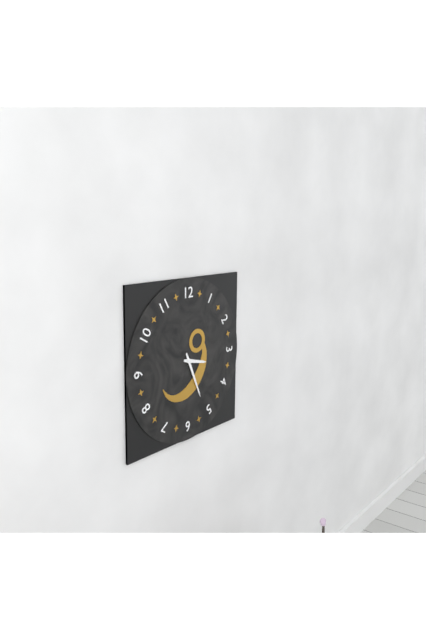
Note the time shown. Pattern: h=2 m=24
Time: h=3 m=26
